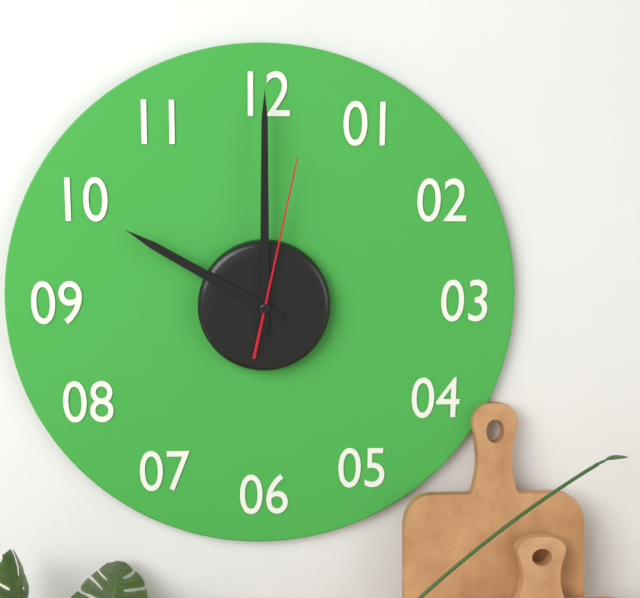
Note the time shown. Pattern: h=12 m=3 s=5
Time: h=10 m=0 s=2
